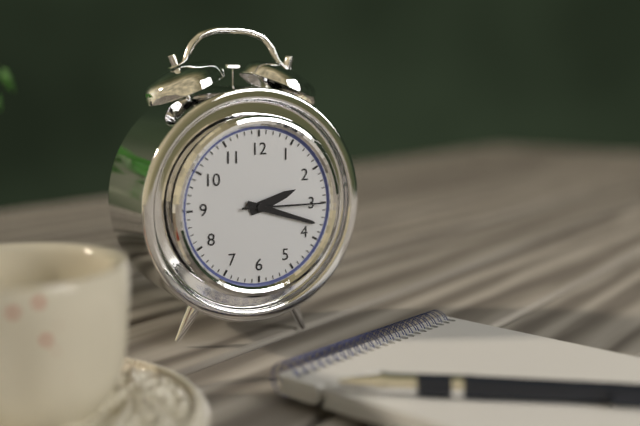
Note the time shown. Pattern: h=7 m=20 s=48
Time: h=2 m=18 s=15
